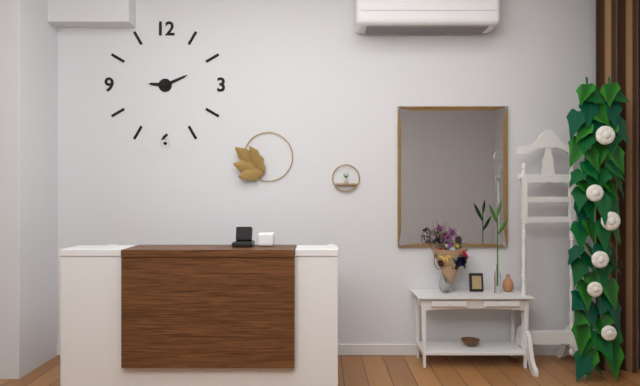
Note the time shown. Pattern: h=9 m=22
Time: h=9 m=11
